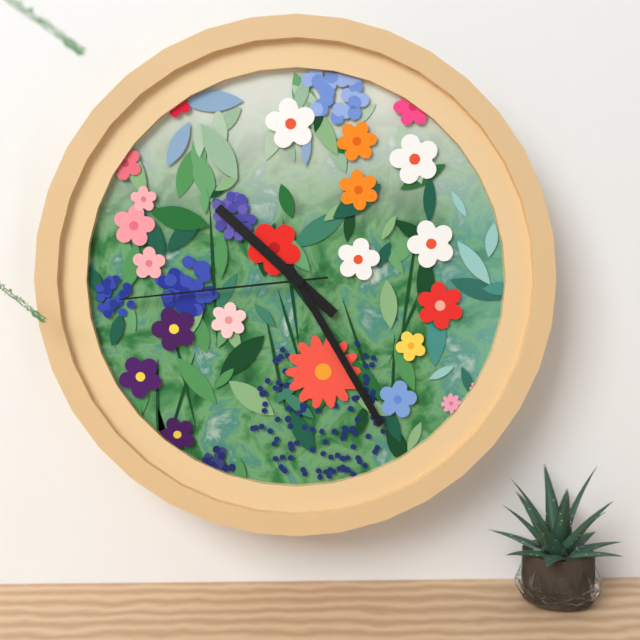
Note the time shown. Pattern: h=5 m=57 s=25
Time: h=10 m=25 s=44
